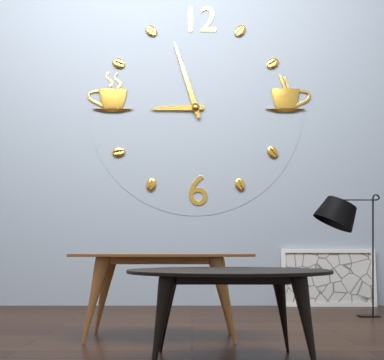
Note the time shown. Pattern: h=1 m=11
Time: h=8 m=57
